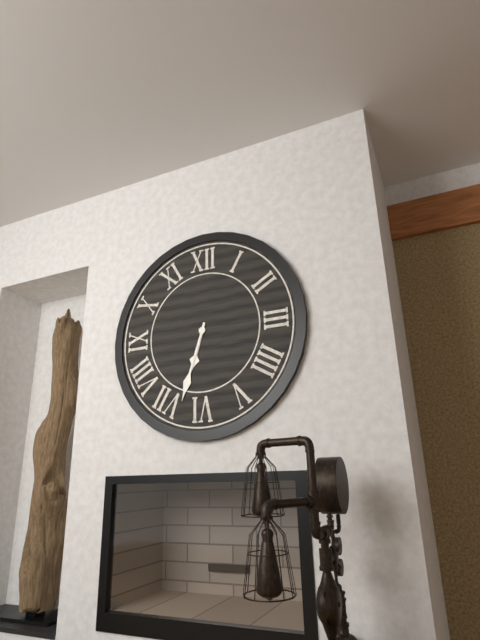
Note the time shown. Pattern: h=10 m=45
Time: h=6 m=33
